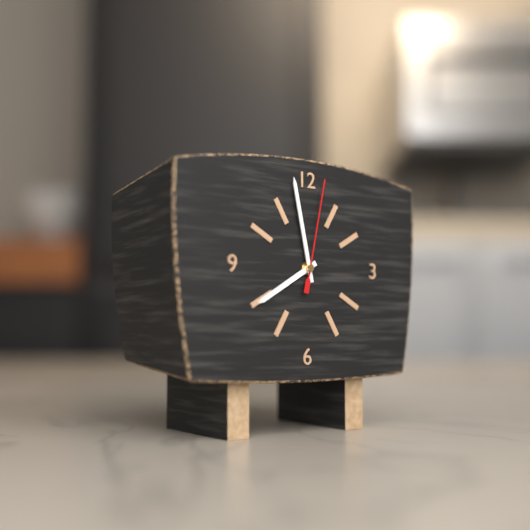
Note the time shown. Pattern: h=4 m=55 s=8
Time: h=7 m=58 s=2
